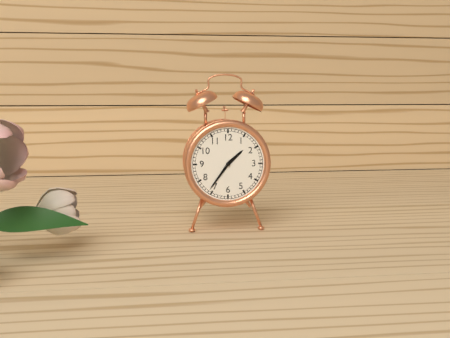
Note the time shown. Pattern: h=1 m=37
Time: h=1 m=36
